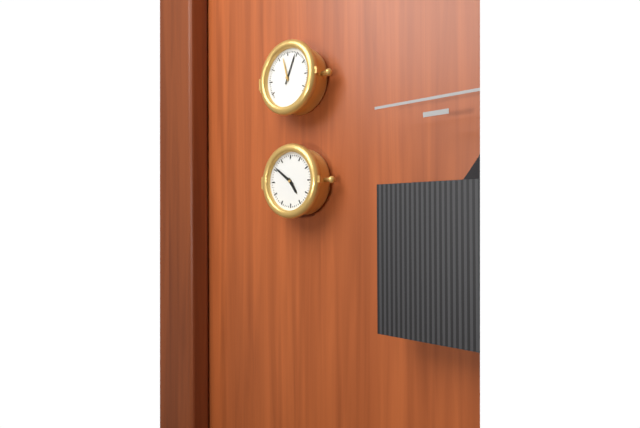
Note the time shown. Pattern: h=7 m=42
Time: h=4 m=51
